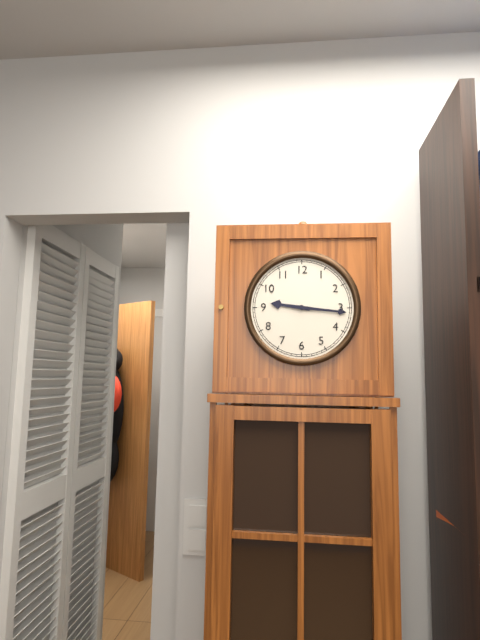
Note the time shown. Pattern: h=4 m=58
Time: h=9 m=16
